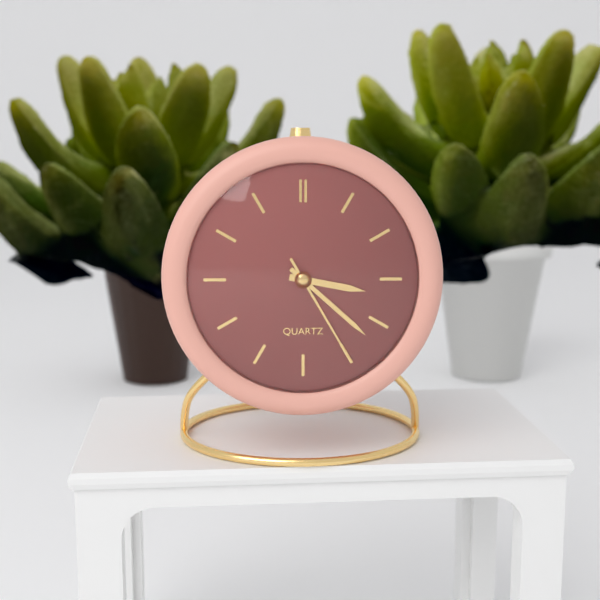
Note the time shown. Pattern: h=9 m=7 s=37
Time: h=3 m=22 s=25
